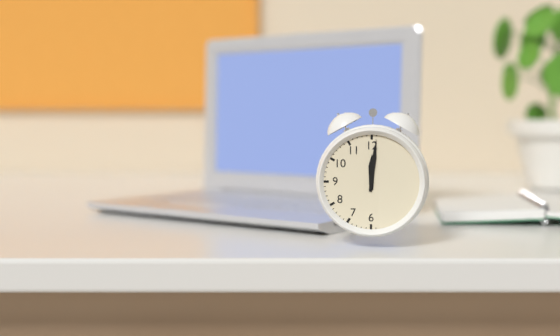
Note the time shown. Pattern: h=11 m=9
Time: h=12 m=1
